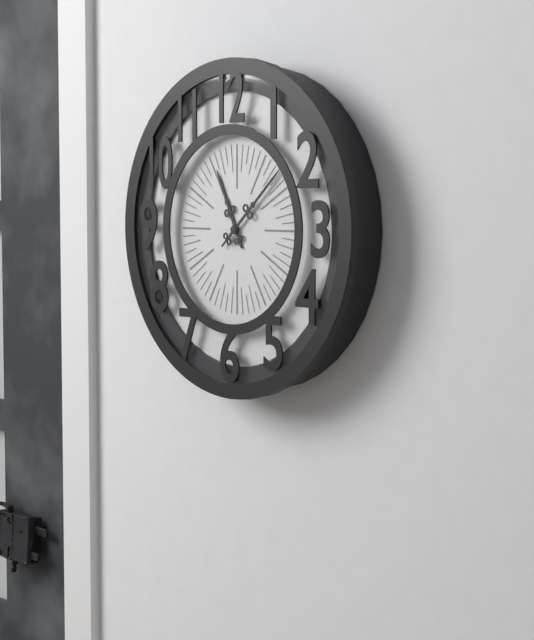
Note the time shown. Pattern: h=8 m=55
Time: h=11 m=8
